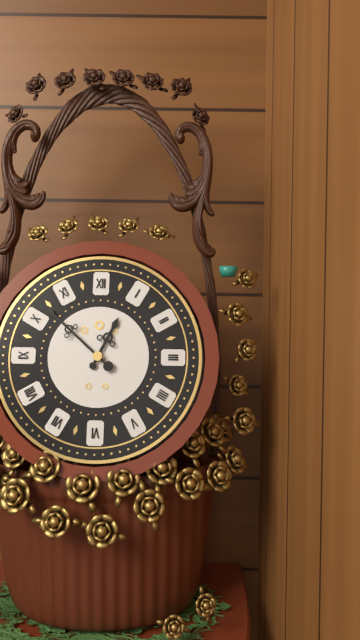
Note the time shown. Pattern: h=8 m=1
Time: h=12 m=52
